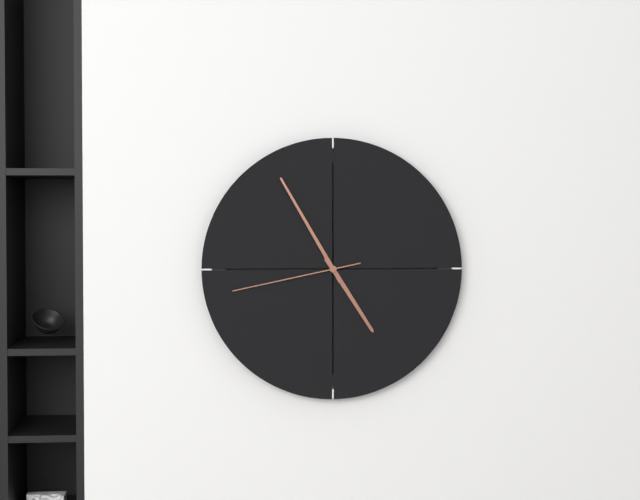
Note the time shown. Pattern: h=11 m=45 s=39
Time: h=4 m=55 s=43
